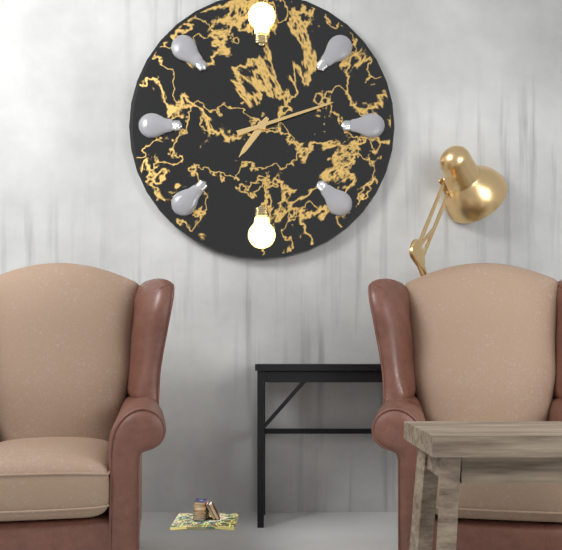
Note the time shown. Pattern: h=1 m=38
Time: h=7 m=12
